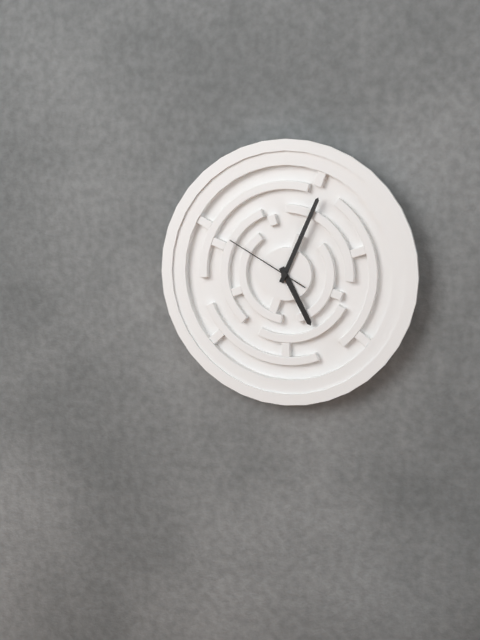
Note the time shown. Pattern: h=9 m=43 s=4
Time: h=5 m=4 s=50
